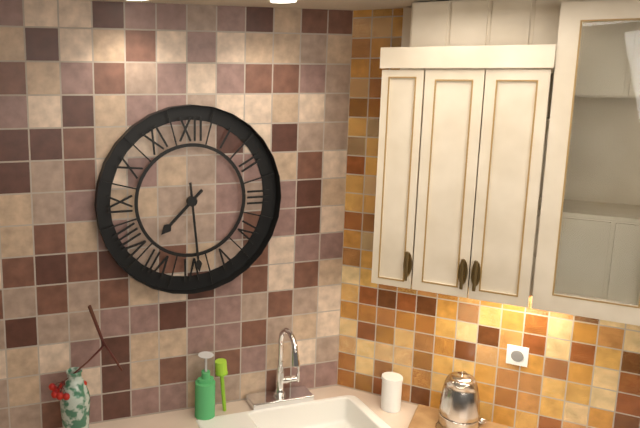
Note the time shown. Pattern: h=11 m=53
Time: h=7 m=29
